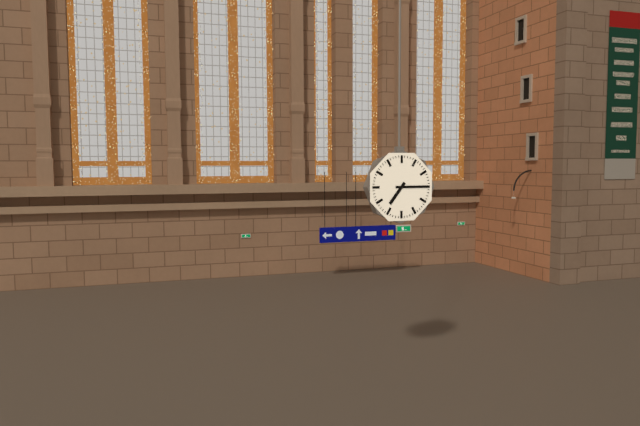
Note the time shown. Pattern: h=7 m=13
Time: h=7 m=15
